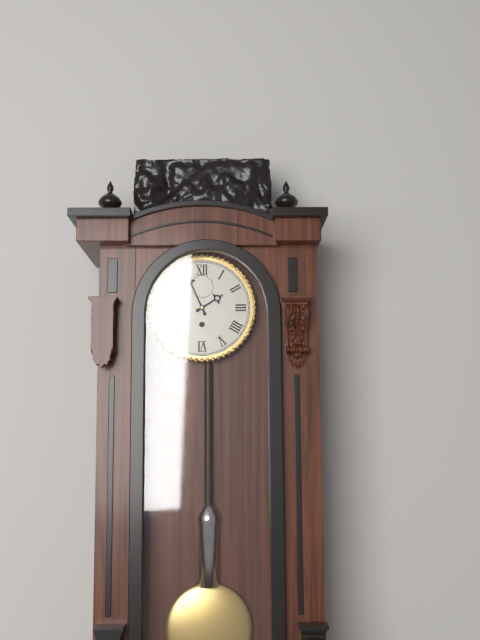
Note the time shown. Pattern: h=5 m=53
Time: h=1 m=56
